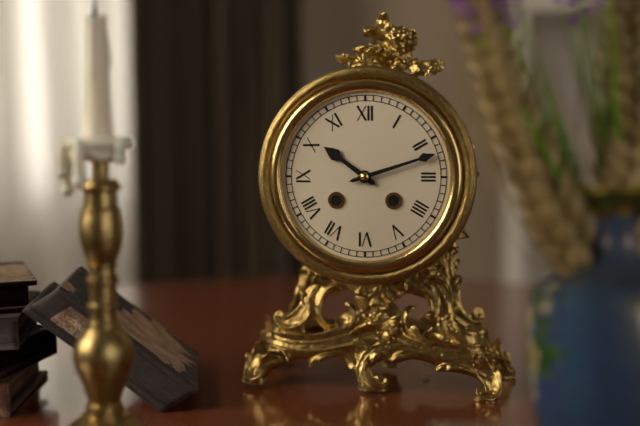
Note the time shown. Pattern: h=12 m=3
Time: h=10 m=12
